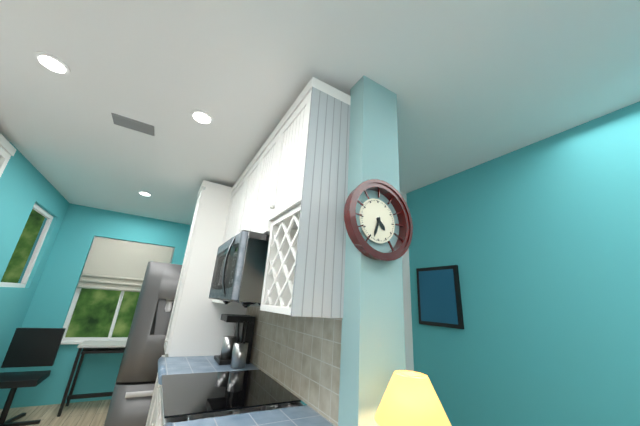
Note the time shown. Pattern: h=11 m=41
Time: h=4 m=33
